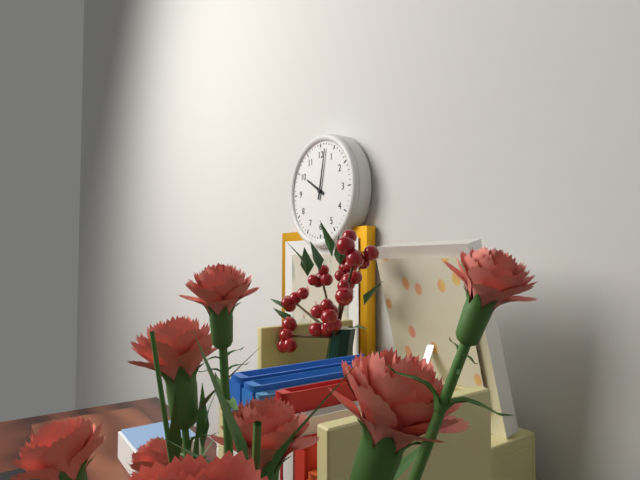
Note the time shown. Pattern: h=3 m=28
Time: h=10 m=2
